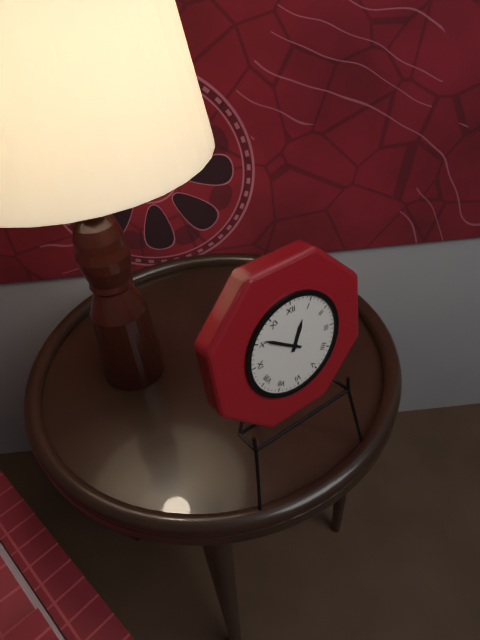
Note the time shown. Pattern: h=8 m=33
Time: h=12 m=51
